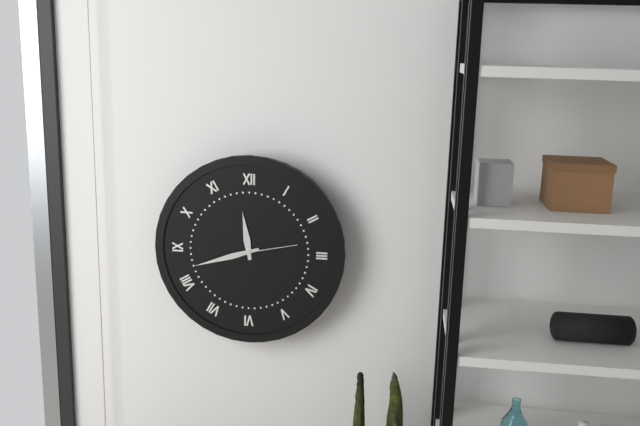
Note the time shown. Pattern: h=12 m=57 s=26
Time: h=11 m=42 s=13
